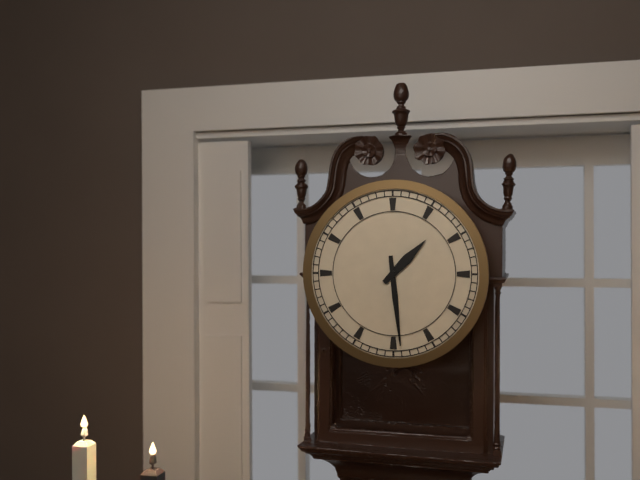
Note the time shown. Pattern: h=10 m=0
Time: h=1 m=29
